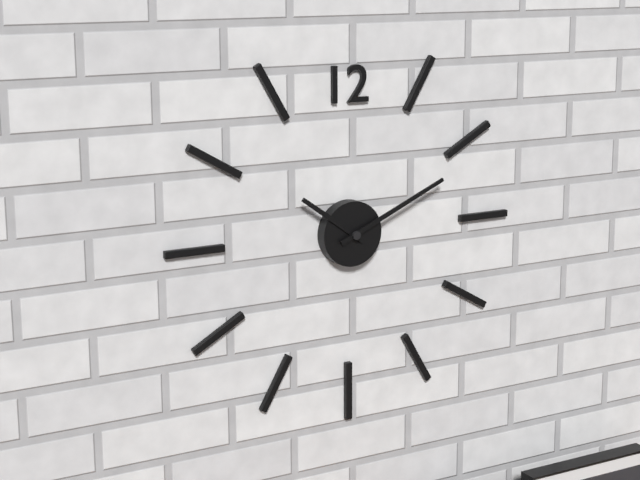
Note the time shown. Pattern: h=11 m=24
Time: h=10 m=11
